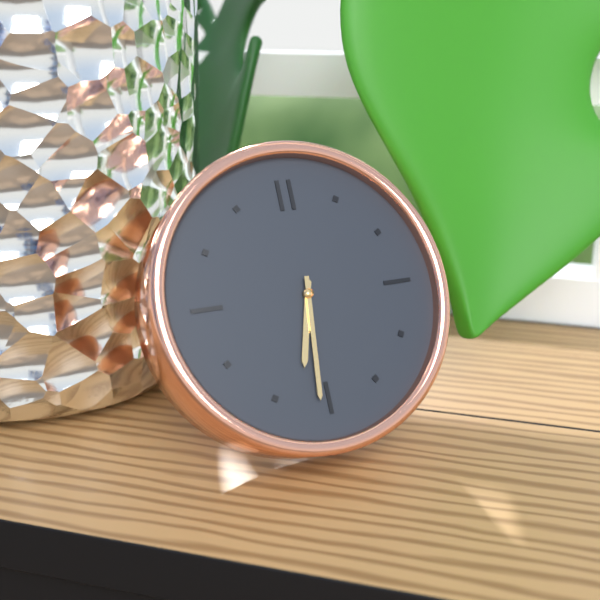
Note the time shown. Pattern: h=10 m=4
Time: h=6 m=31
